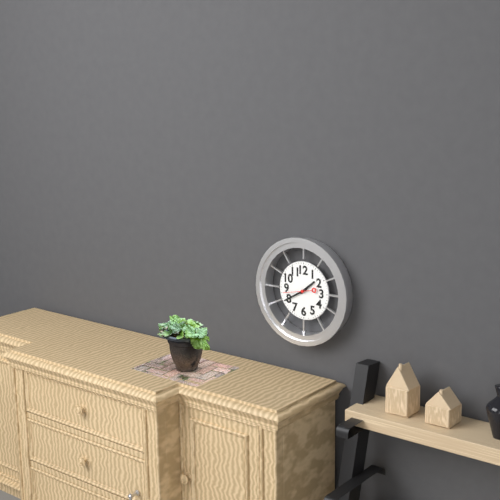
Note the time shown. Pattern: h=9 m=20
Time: h=1 m=40
